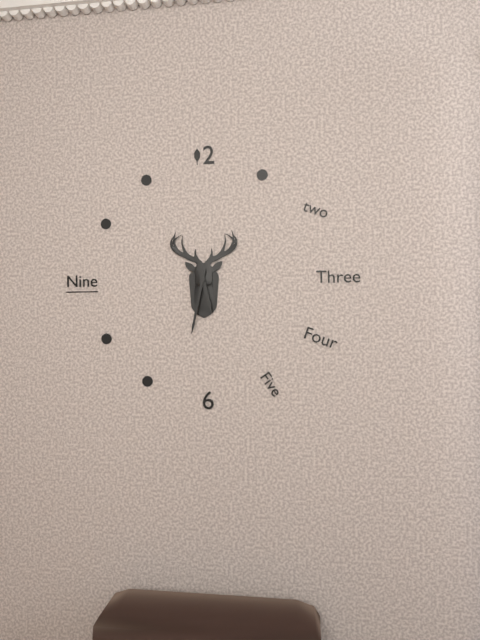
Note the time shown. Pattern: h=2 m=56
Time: h=5 m=32
